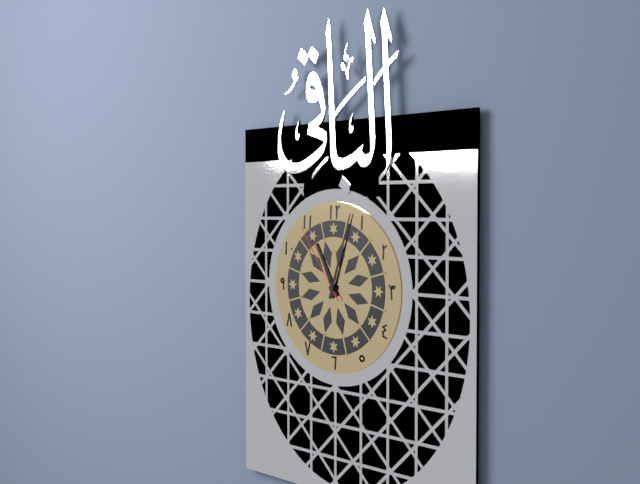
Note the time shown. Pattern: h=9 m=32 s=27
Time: h=11 m=3 s=54
